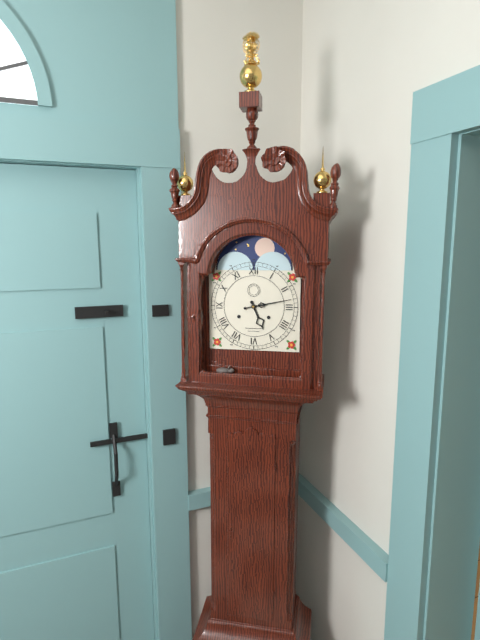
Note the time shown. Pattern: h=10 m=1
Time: h=5 m=13
